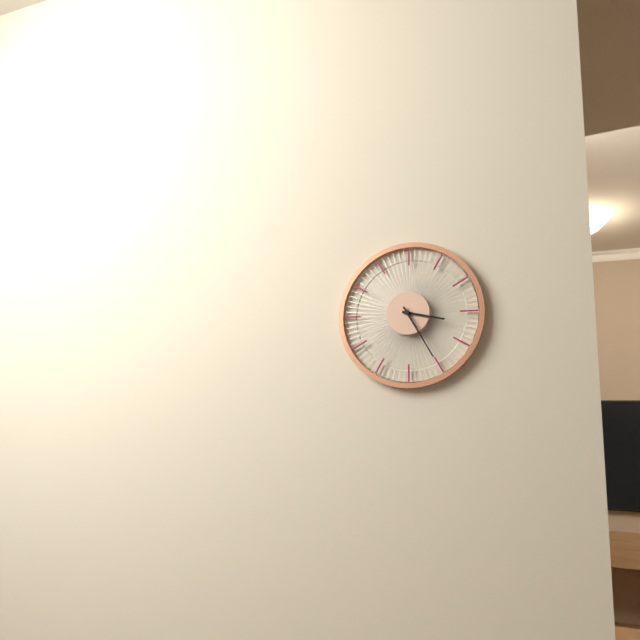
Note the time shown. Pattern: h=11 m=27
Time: h=3 m=25
